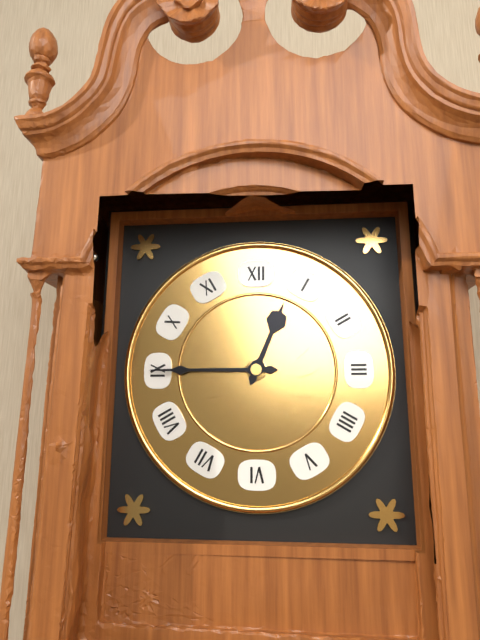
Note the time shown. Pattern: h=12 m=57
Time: h=12 m=45
